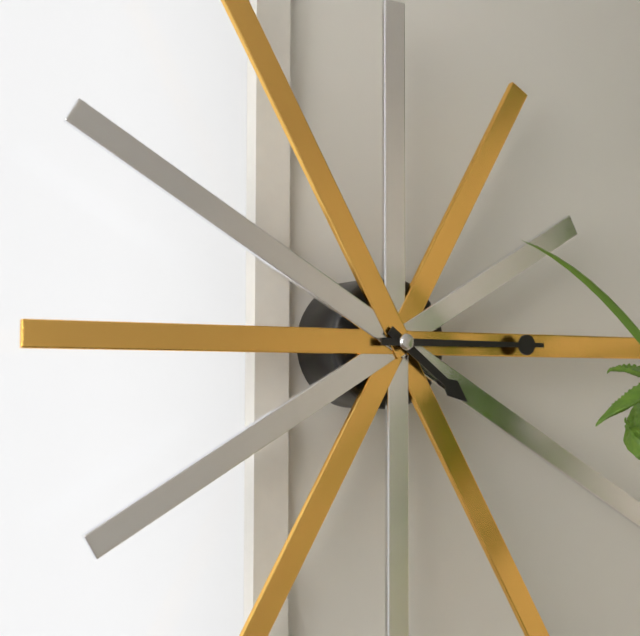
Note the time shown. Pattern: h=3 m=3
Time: h=4 m=15
